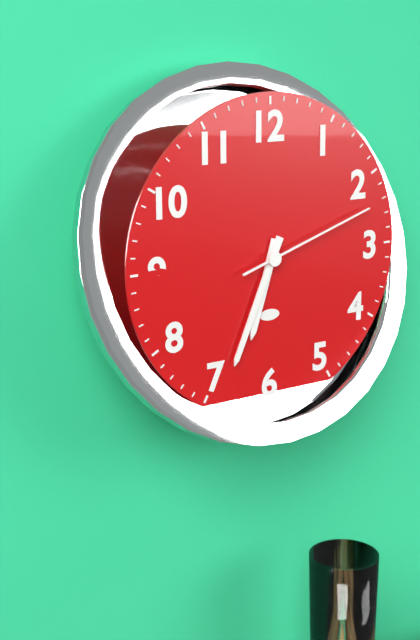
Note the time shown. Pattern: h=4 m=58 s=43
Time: h=6 m=34 s=12
